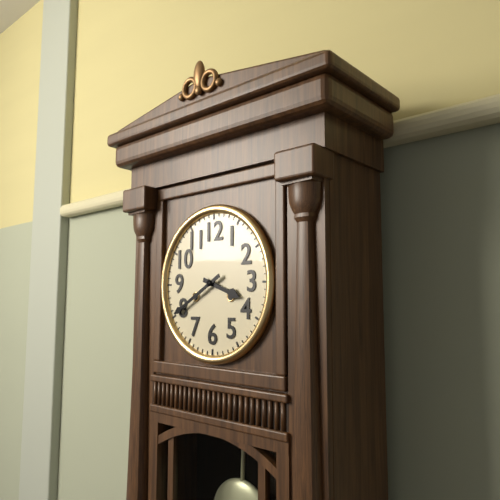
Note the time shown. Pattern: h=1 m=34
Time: h=3 m=40
